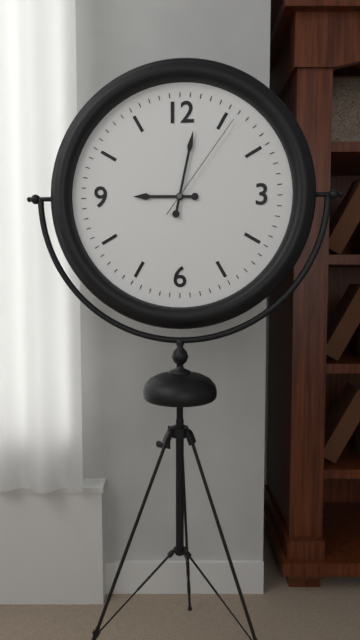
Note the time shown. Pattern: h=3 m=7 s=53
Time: h=9 m=2 s=6
